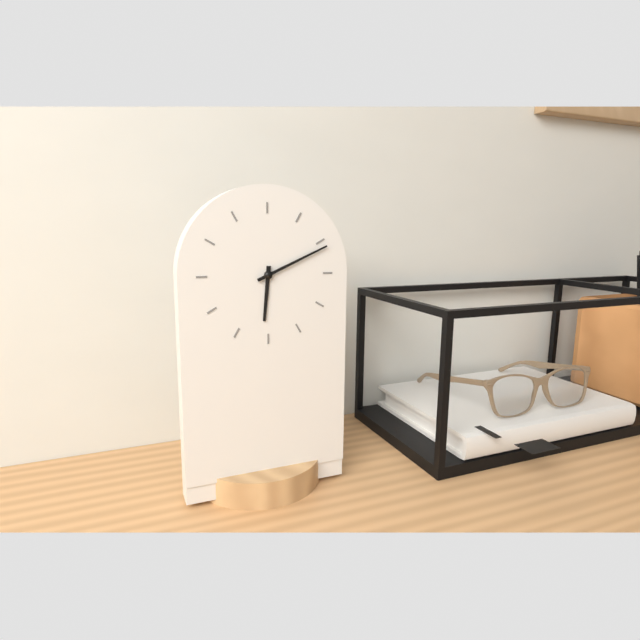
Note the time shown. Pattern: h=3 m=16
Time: h=6 m=11
